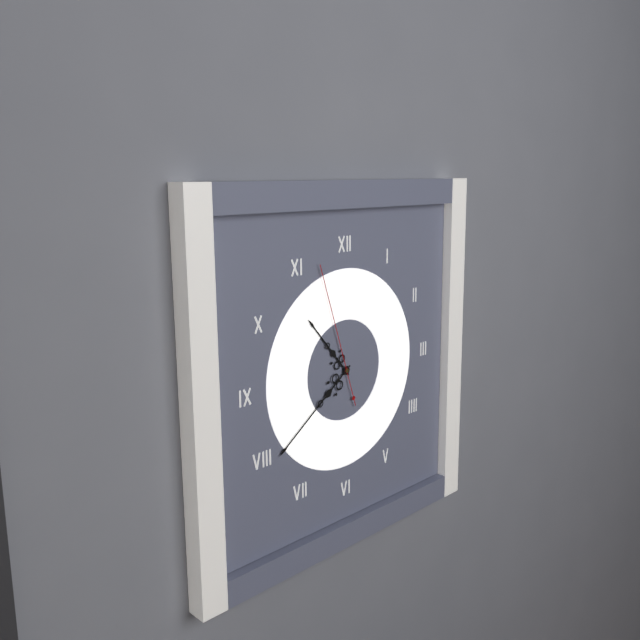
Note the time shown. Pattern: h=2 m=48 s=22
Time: h=10 m=39 s=57
